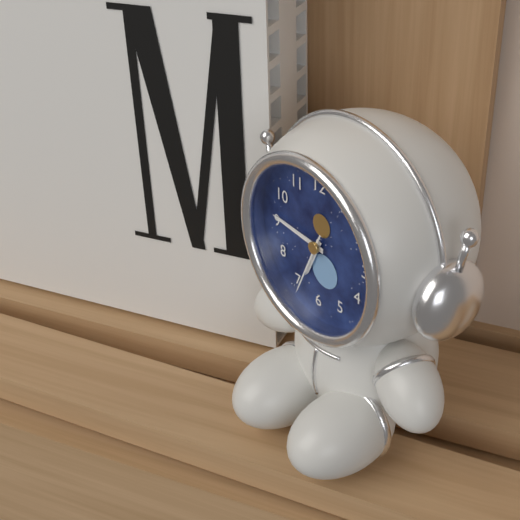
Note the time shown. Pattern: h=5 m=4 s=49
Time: h=6 m=46 s=34
